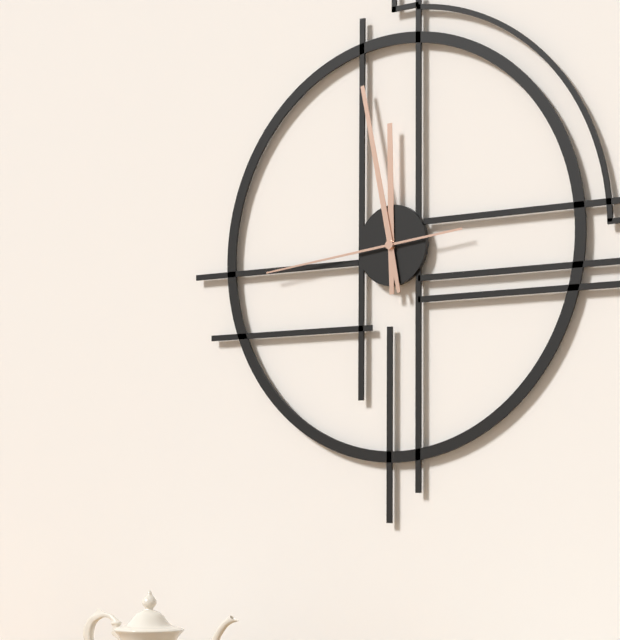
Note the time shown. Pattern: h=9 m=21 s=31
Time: h=11 m=58 s=44
